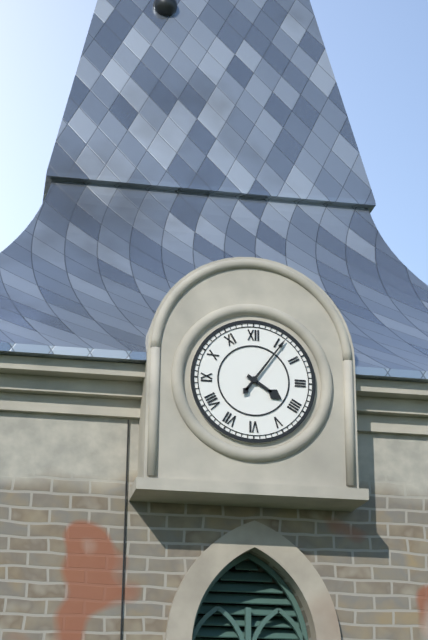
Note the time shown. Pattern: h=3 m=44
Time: h=4 m=6
